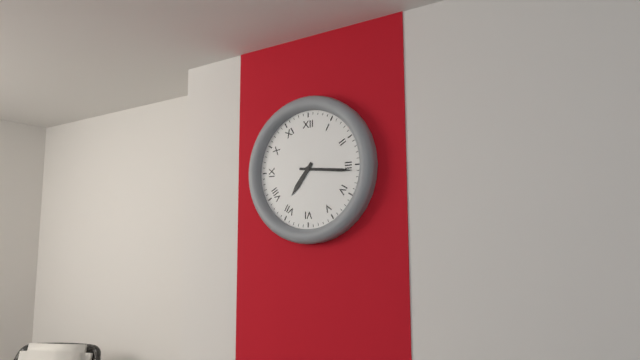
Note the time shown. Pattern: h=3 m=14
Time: h=7 m=16
